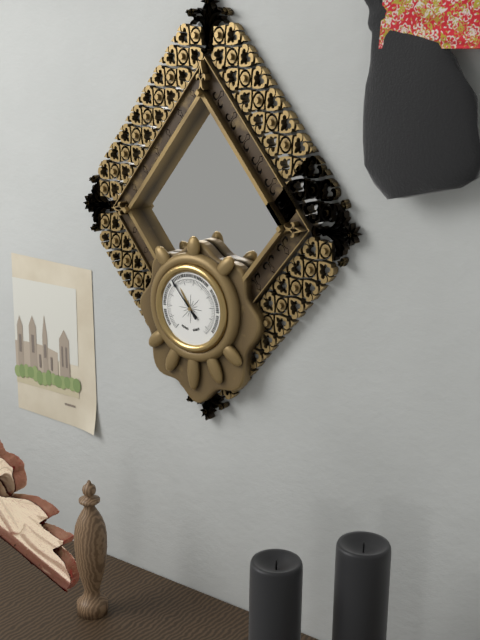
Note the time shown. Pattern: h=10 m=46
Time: h=10 m=53
